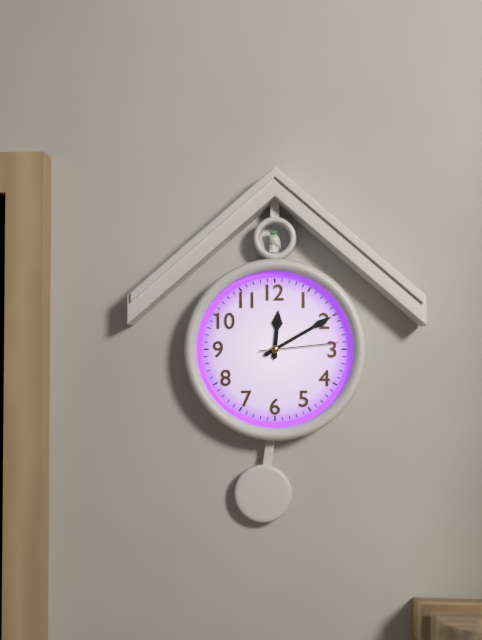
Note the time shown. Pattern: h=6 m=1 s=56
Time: h=12 m=10 s=14
